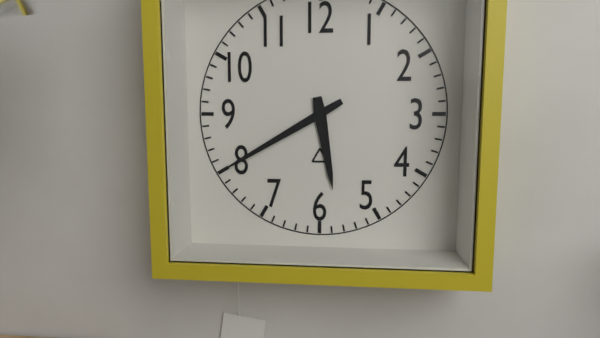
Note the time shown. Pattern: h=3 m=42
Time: h=5 m=40
